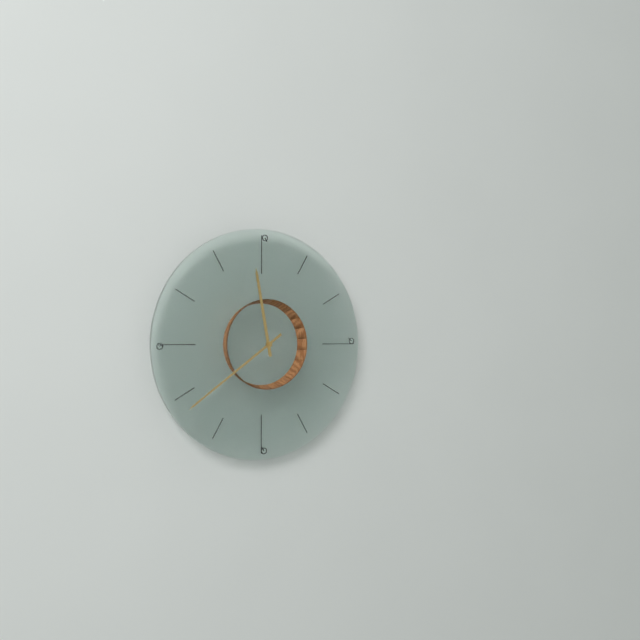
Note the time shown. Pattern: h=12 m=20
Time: h=11 m=39
